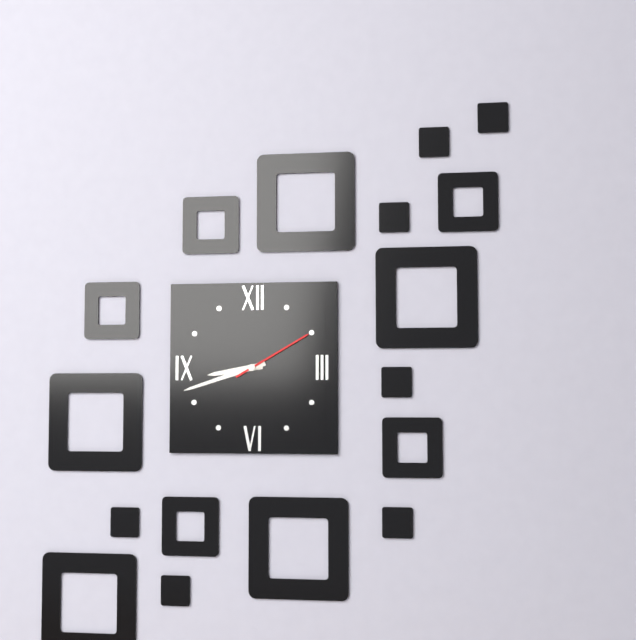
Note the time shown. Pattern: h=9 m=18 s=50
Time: h=8 m=42 s=10
